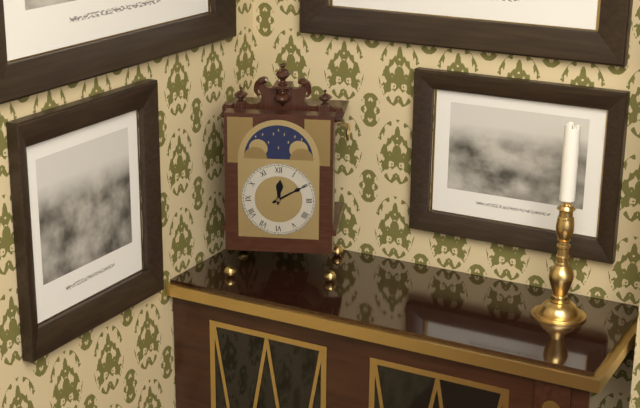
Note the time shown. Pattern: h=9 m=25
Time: h=12 m=10
